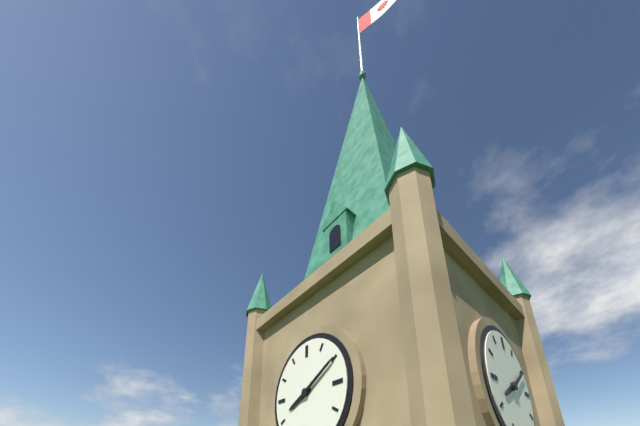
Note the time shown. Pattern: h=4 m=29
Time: h=8 m=10
